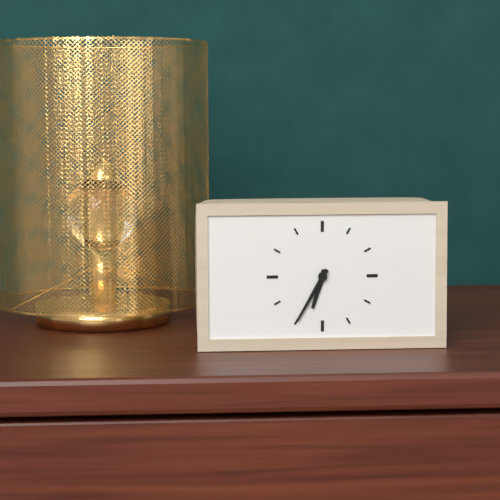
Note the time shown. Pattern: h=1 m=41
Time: h=6 m=35
